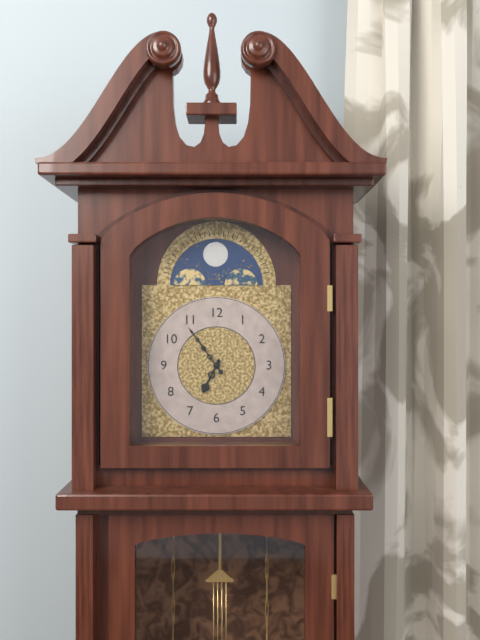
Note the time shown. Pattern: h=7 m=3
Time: h=6 m=54
